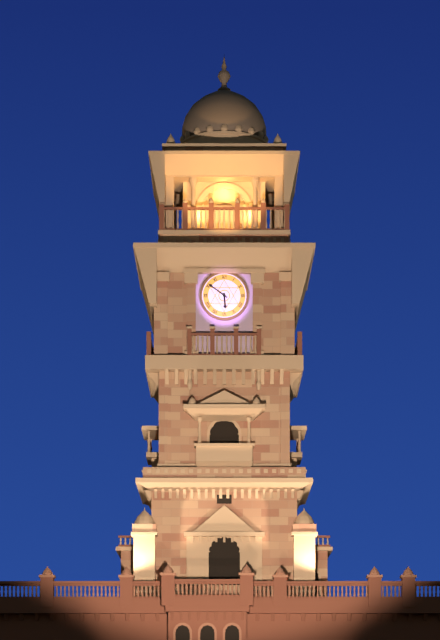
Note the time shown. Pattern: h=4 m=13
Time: h=5 m=51
